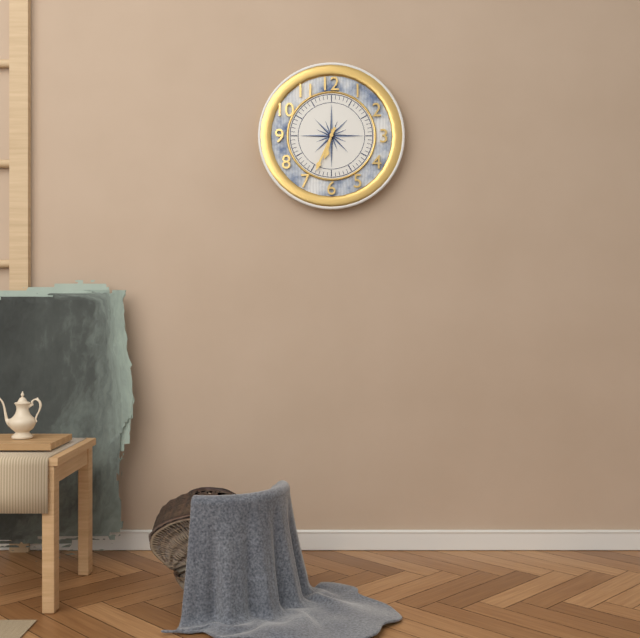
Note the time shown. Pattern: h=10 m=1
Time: h=6 m=34
